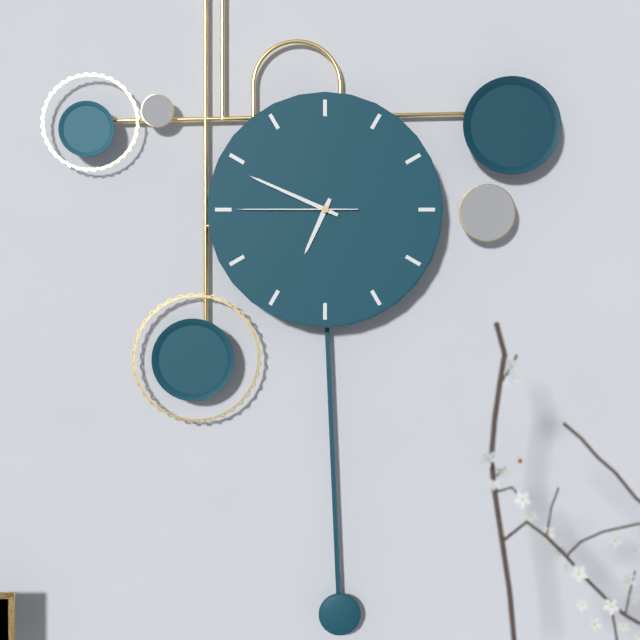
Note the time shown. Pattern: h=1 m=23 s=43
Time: h=6 m=49 s=45
